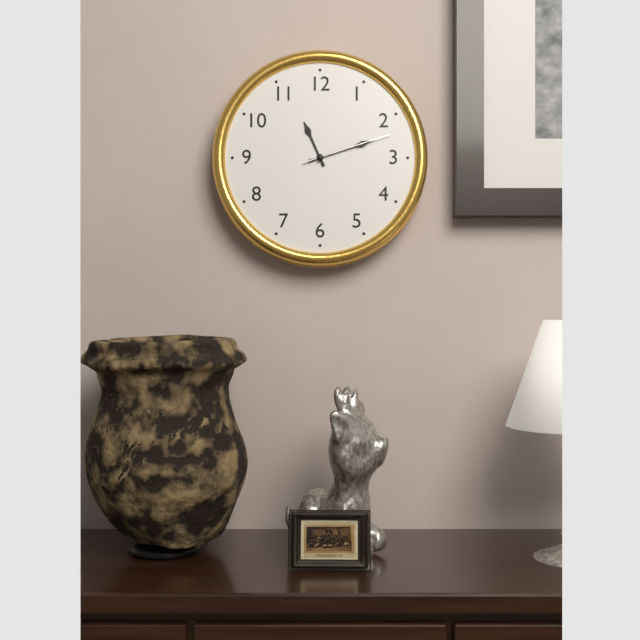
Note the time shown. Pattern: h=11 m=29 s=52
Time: h=11 m=12 s=12
